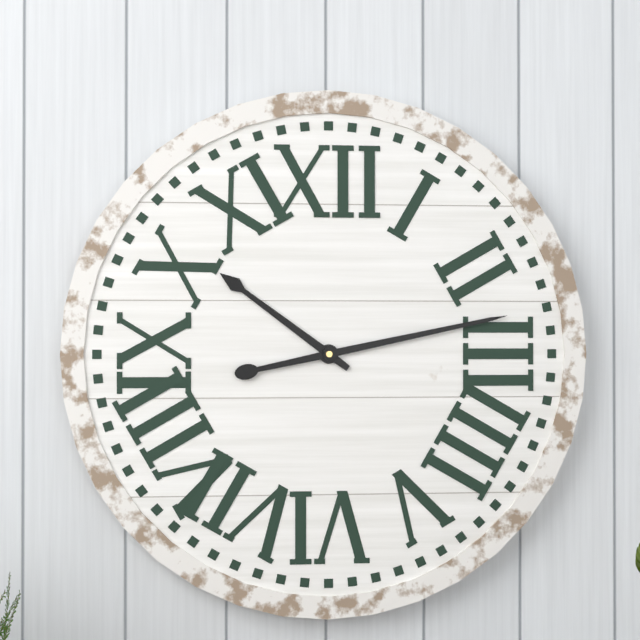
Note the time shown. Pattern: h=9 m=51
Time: h=10 m=13
